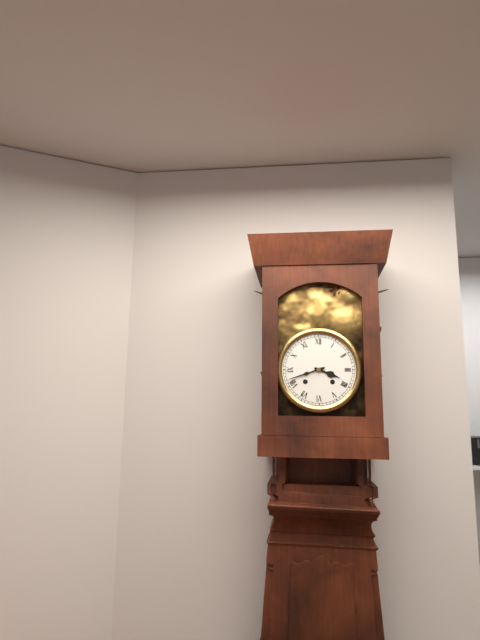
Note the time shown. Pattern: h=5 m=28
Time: h=3 m=42
